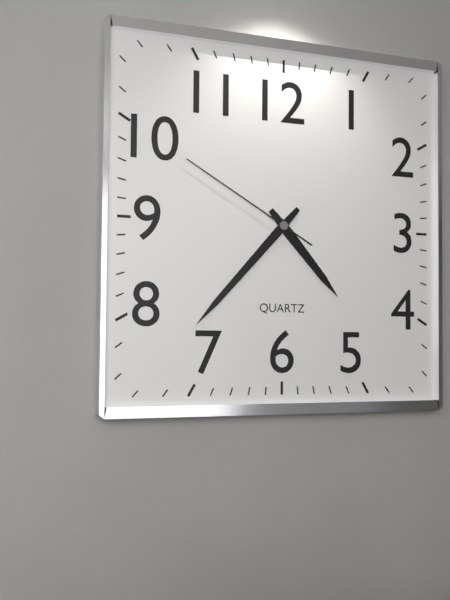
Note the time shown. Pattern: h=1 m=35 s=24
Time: h=4 m=37 s=50
